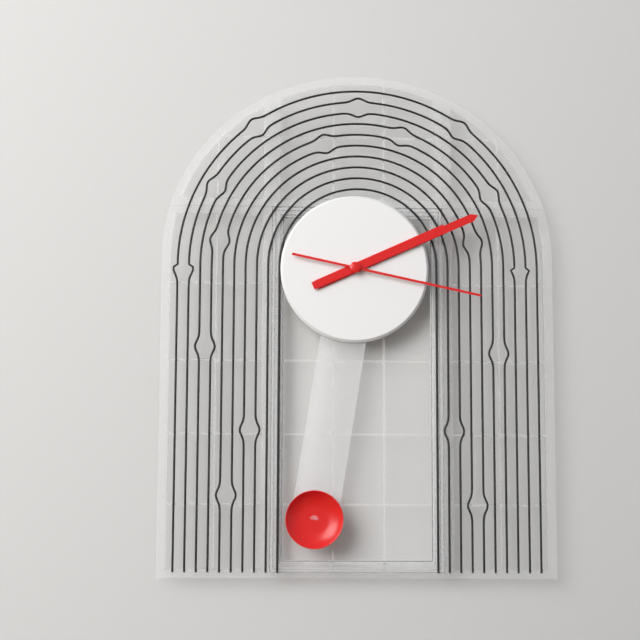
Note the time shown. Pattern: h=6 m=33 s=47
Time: h=2 m=11 s=17
